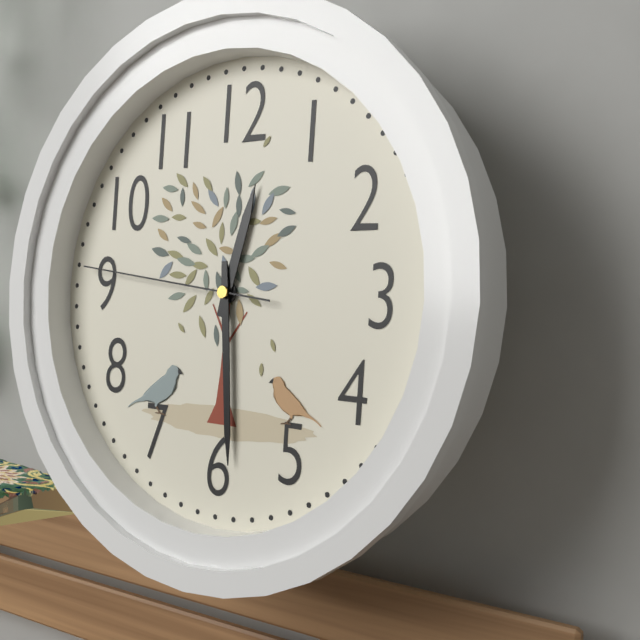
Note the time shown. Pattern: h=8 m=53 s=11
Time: h=12 m=29 s=46
